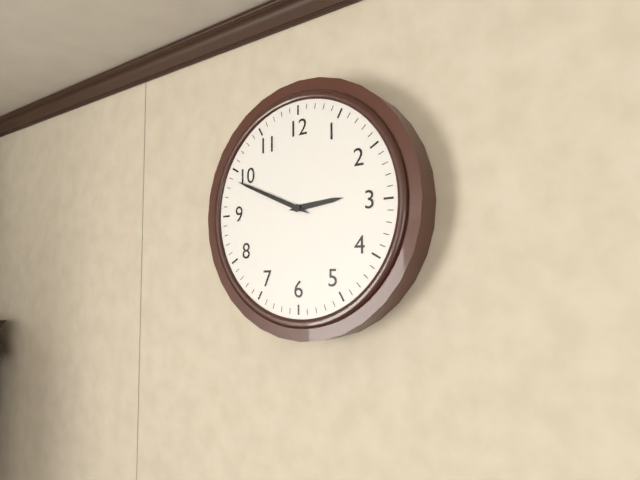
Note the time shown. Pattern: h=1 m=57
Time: h=2 m=49
